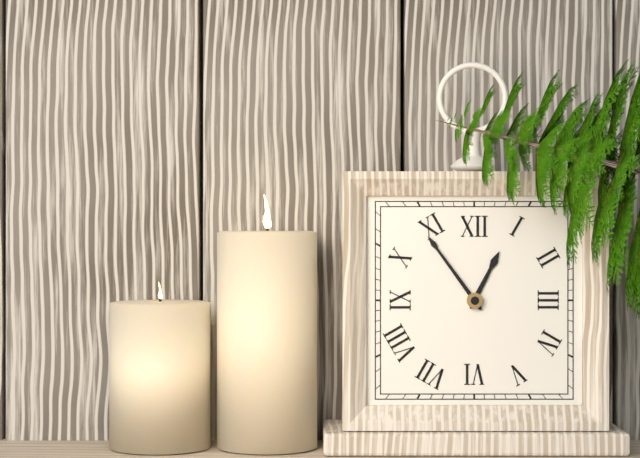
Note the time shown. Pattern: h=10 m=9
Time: h=12 m=54
